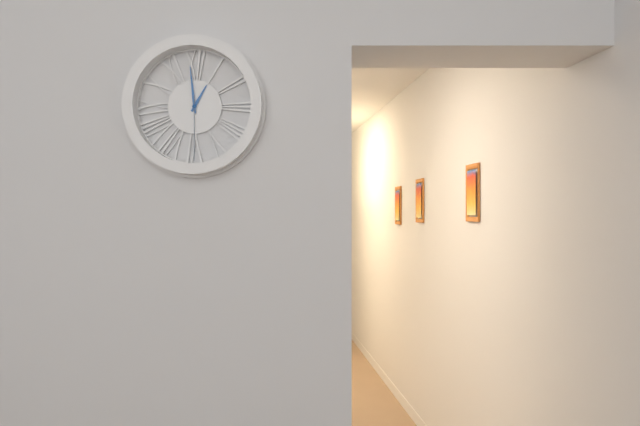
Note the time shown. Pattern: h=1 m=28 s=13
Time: h=12 m=59 s=30
